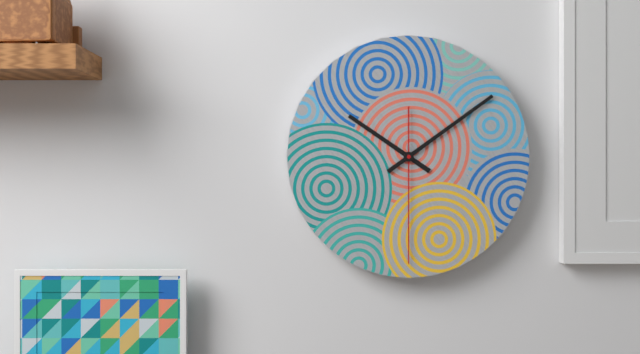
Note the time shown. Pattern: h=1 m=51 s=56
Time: h=10 m=9 s=30
